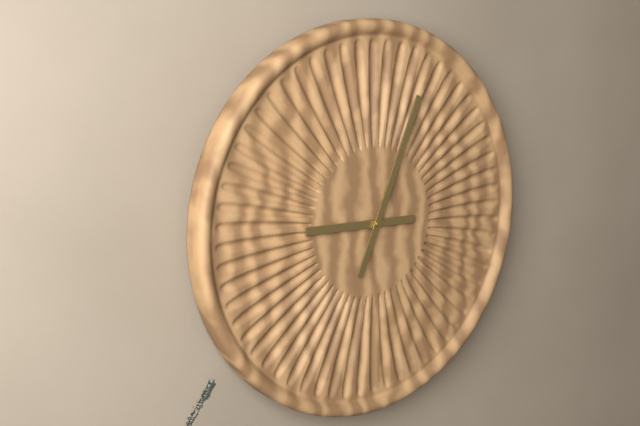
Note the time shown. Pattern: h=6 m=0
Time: h=9 m=4
